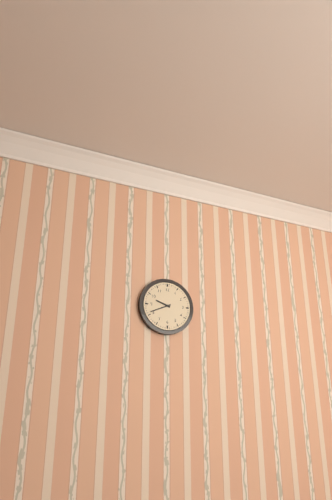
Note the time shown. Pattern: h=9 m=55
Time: h=9 m=41
